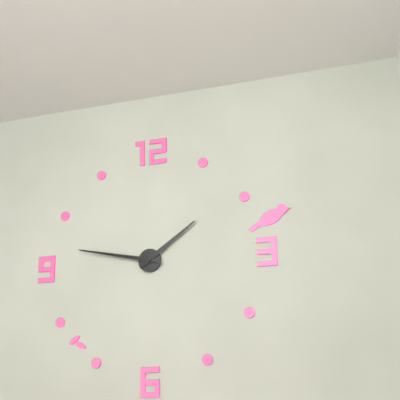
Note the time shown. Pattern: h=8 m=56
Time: h=1 m=47
